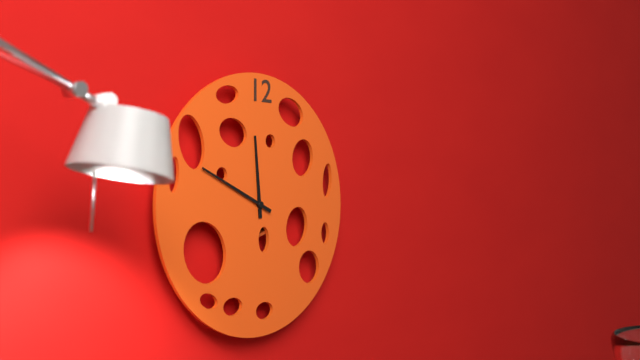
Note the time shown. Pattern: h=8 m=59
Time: h=11 m=49
